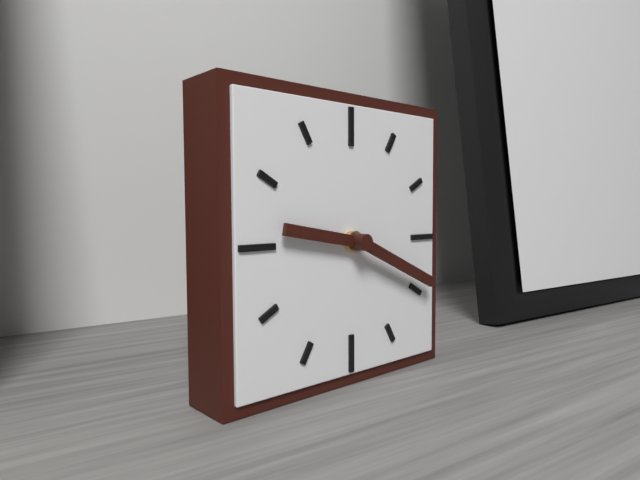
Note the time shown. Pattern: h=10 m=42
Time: h=9 m=19
